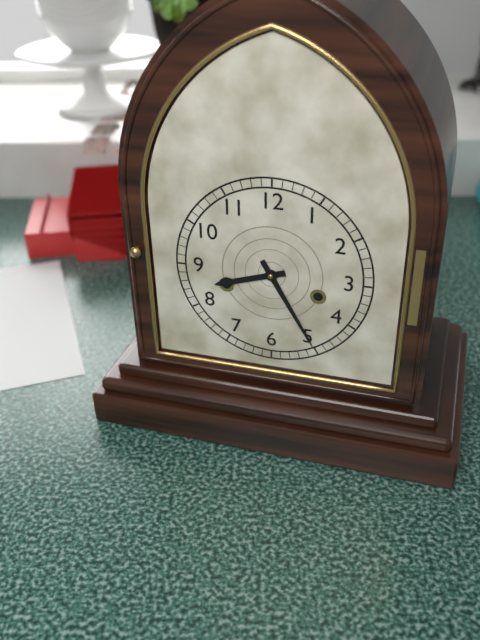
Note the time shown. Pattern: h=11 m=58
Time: h=8 m=25
